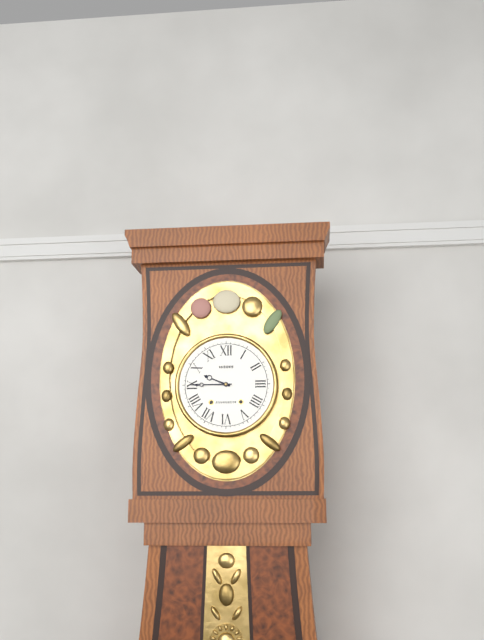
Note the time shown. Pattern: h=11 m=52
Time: h=9 m=45
